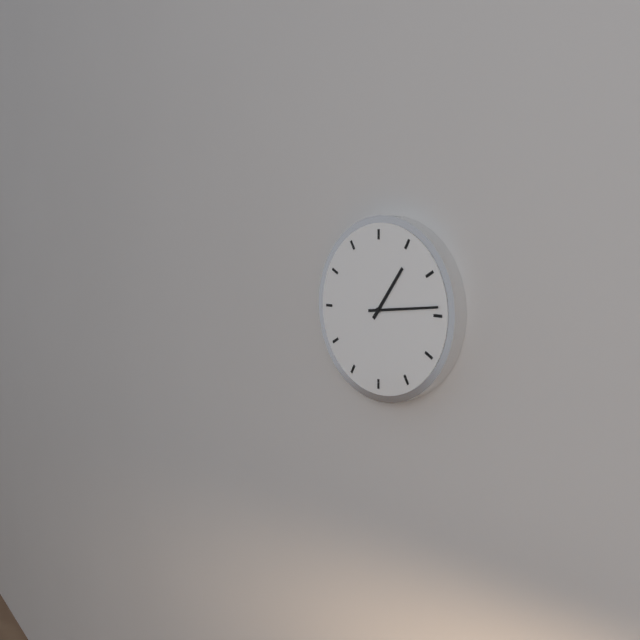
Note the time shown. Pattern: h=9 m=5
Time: h=1 m=14
